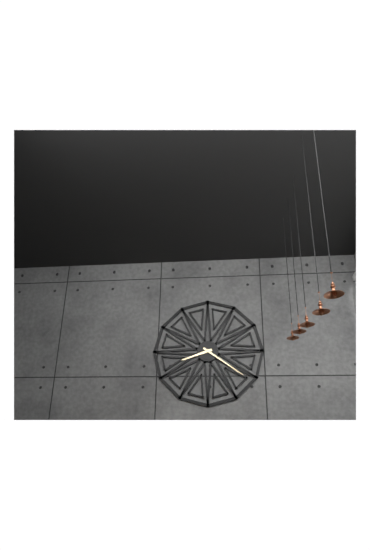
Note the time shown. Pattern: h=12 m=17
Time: h=8 m=21
